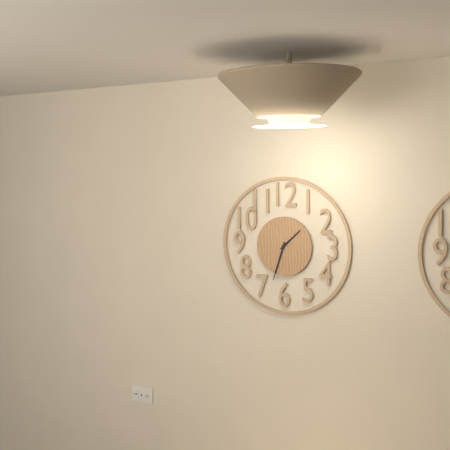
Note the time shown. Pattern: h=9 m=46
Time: h=1 m=33
